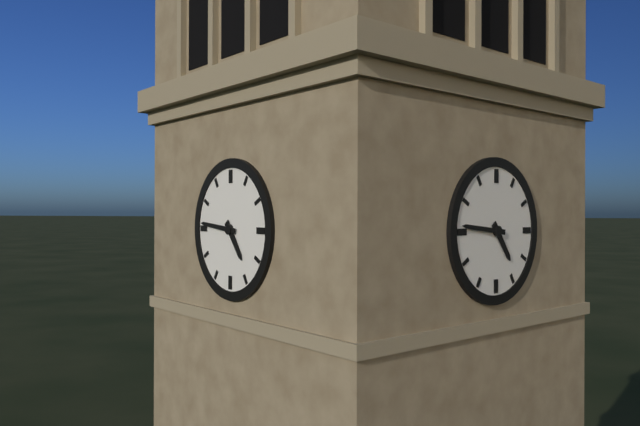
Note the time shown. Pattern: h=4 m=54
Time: h=4 m=46
